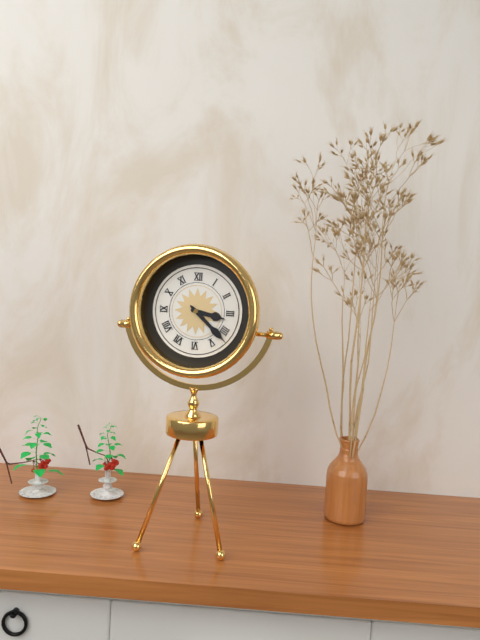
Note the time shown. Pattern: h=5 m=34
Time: h=3 m=22
